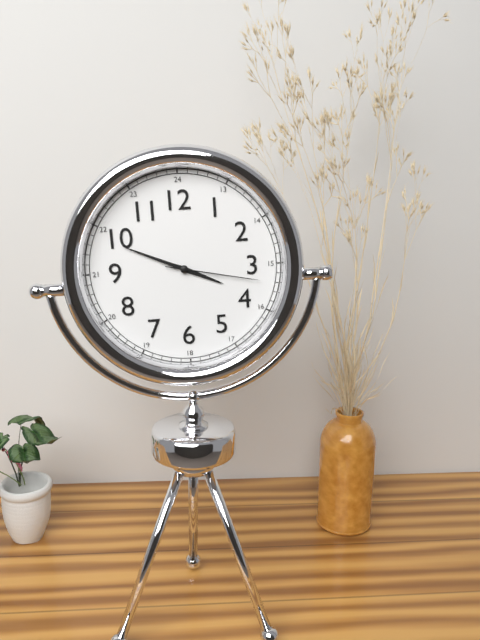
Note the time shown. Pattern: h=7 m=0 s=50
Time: h=3 m=49 s=17
